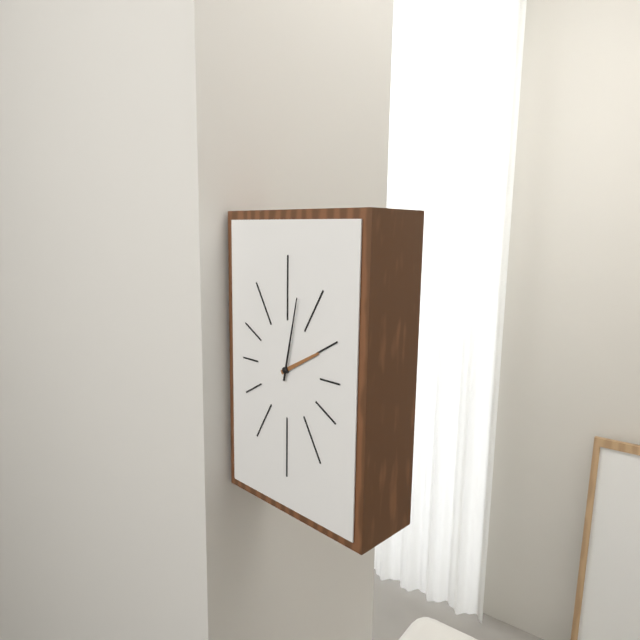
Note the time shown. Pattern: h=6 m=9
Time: h=2 m=2
